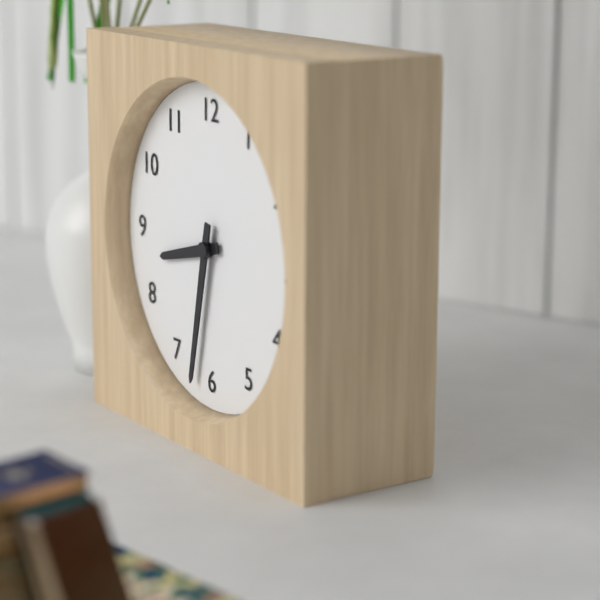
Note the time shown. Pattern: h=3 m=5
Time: h=8 m=32
